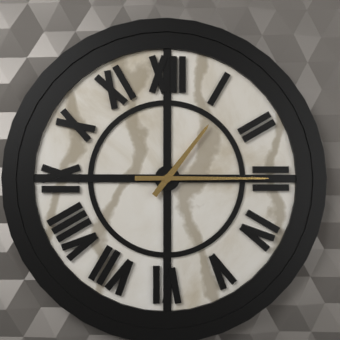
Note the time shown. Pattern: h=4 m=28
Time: h=1 m=15
